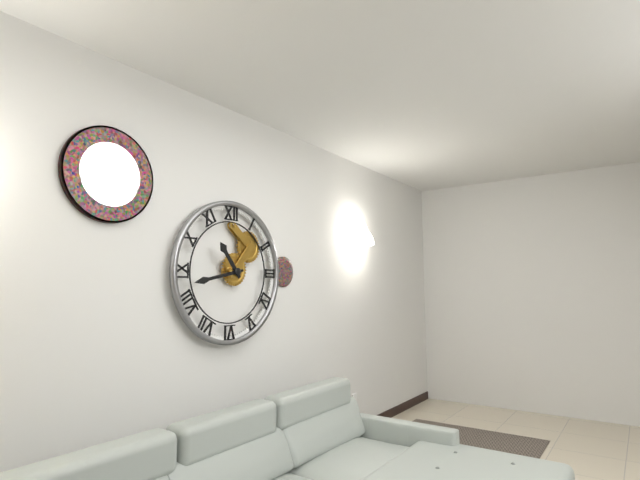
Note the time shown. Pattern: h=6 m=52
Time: h=10 m=43
